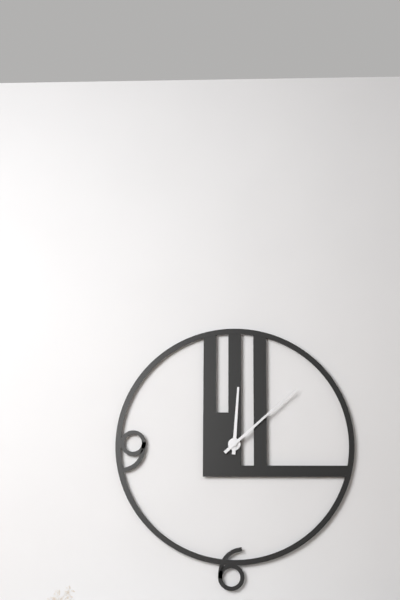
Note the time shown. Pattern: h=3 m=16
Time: h=12 m=8
